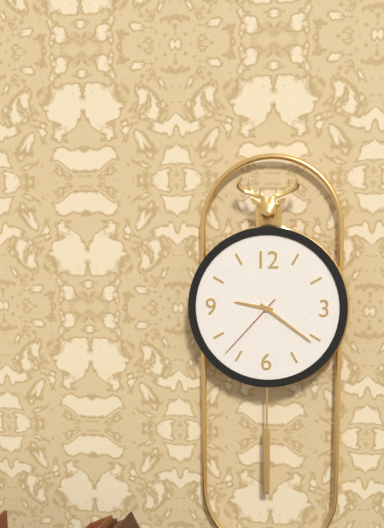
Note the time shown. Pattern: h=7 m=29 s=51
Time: h=9 m=21 s=37
